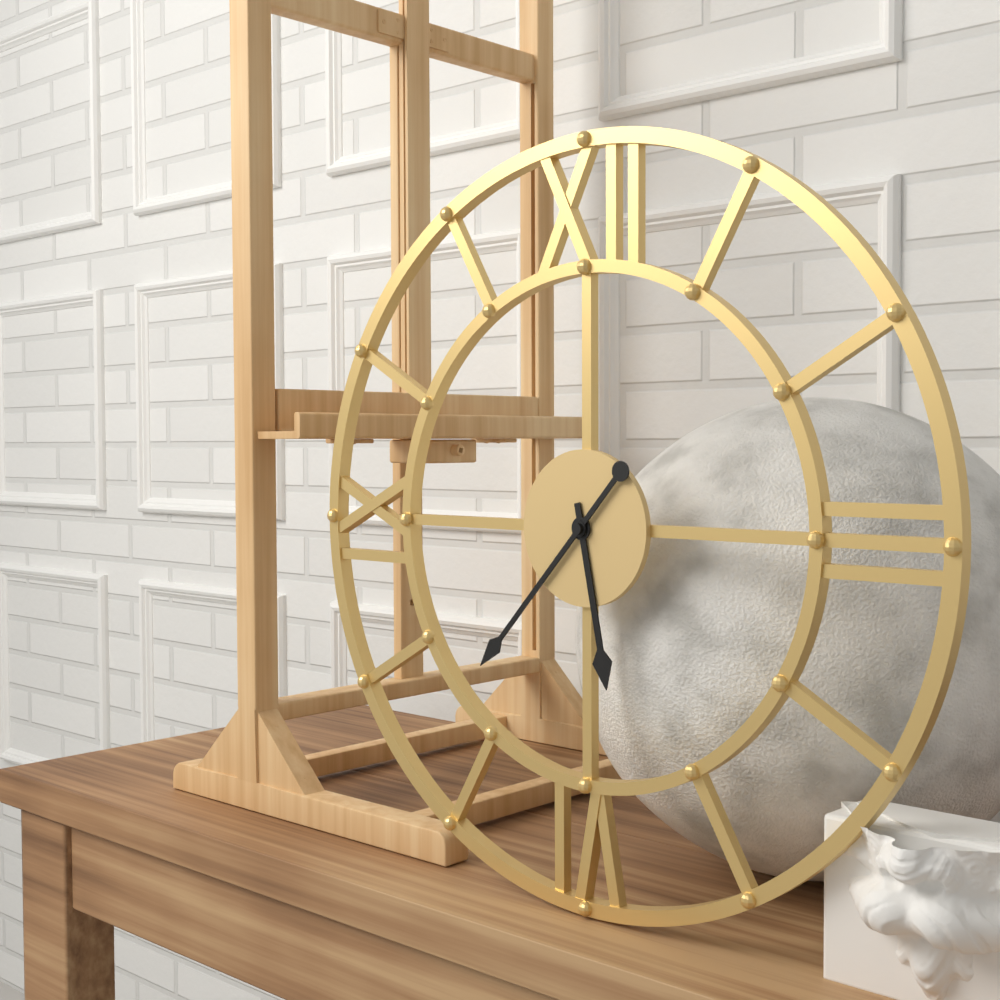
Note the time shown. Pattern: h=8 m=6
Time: h=5 m=37
